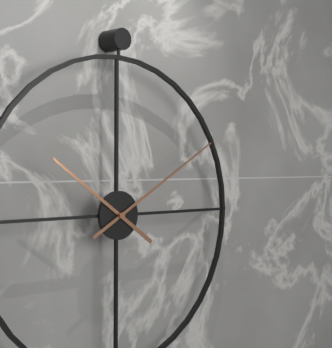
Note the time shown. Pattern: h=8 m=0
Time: h=10 m=10
